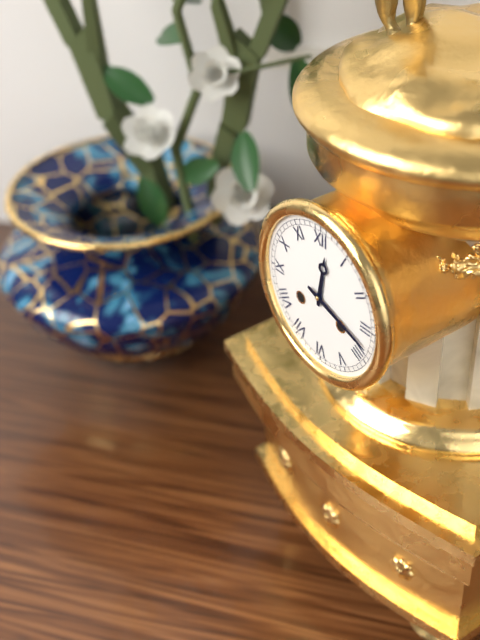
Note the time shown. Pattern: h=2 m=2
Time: h=12 m=18
